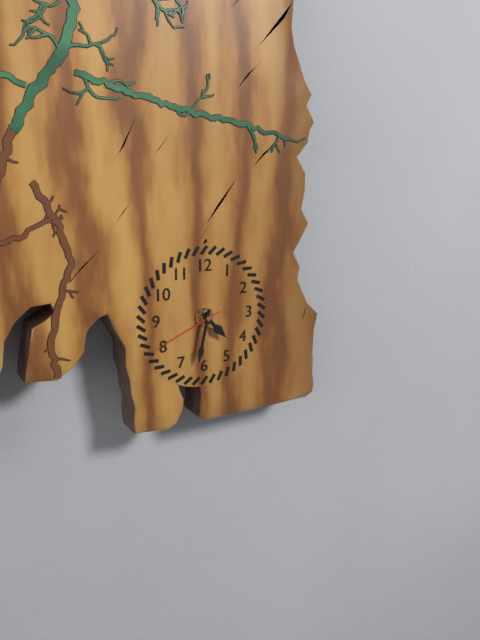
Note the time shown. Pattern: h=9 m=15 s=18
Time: h=4 m=32 s=41
